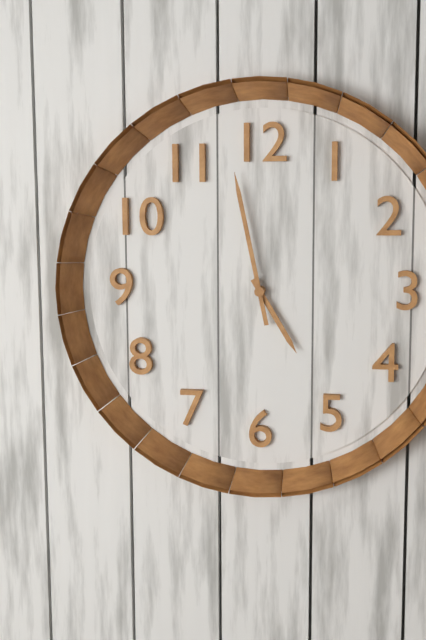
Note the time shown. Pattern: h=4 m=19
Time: h=4 m=58
